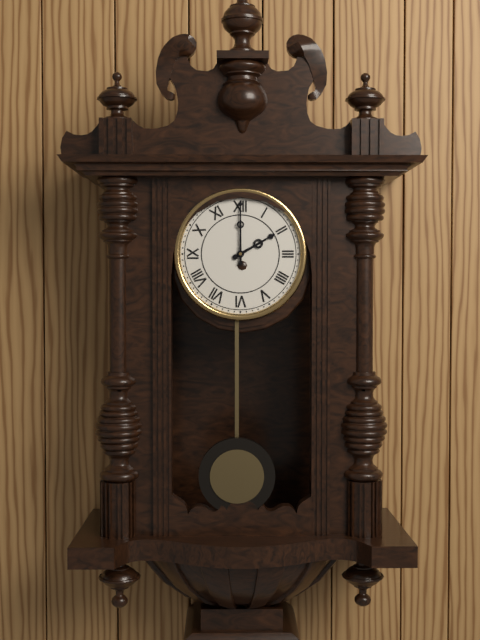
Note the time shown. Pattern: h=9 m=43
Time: h=2 m=0
